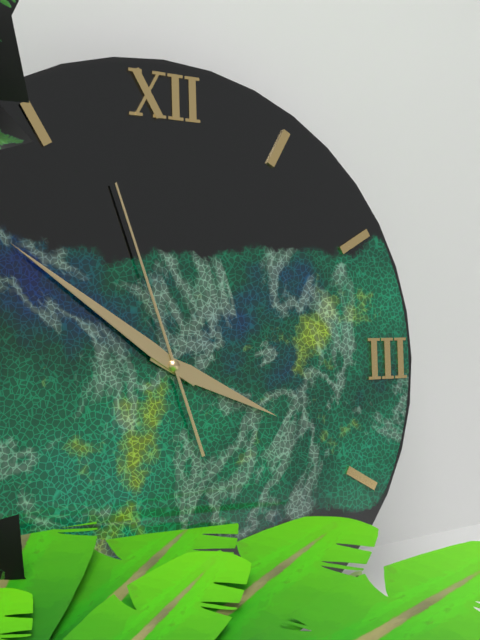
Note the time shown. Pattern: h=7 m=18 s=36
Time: h=3 m=51 s=57
